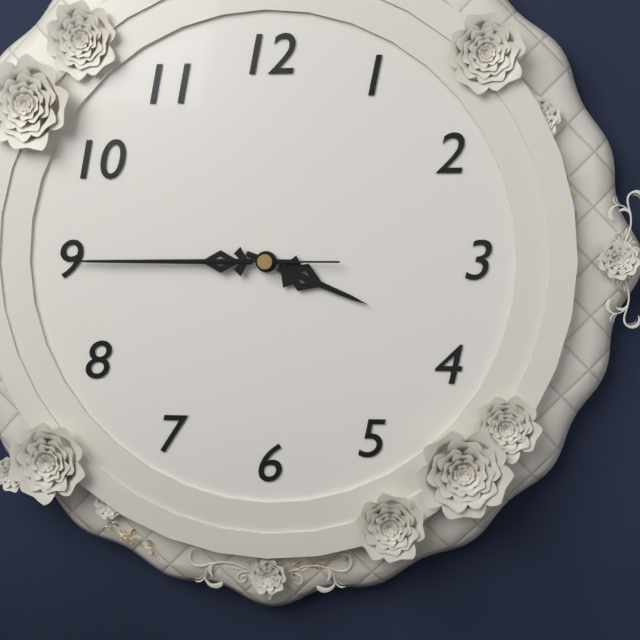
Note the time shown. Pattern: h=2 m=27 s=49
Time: h=3 m=45 s=45
